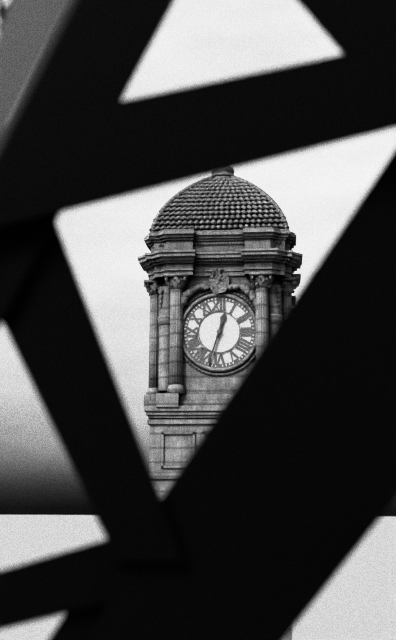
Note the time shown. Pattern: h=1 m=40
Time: h=12 m=33
